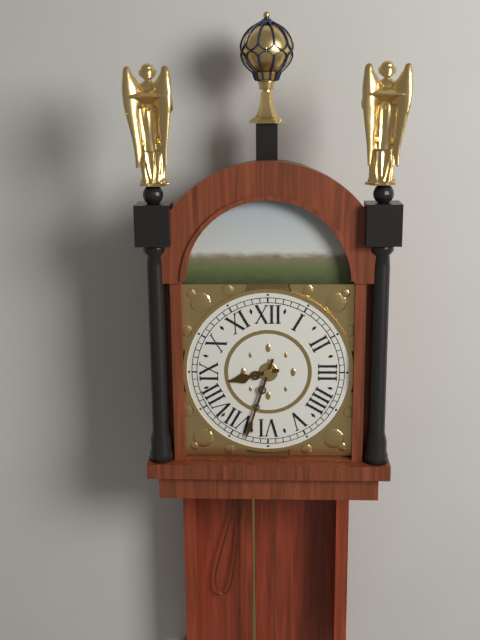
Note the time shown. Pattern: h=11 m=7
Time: h=8 m=33
